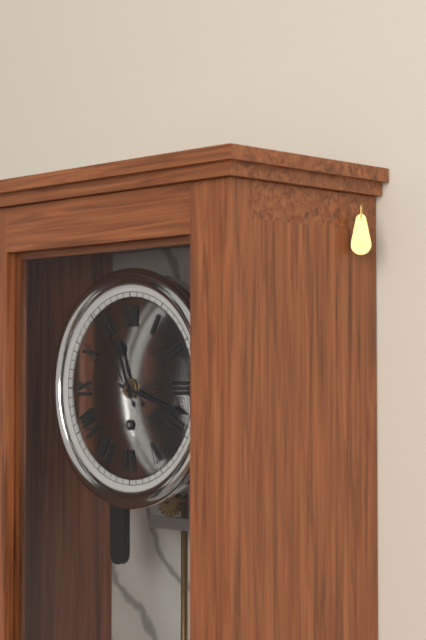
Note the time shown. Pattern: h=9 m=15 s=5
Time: h=11 m=18 s=54
